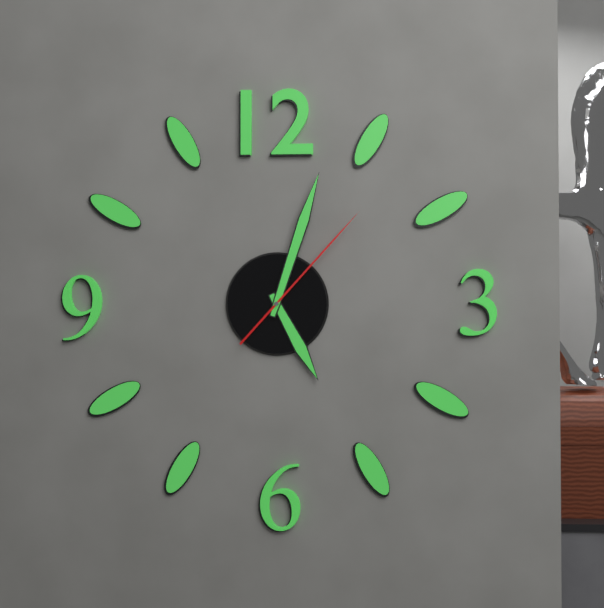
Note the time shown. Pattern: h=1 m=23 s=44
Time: h=5 m=3 s=7
